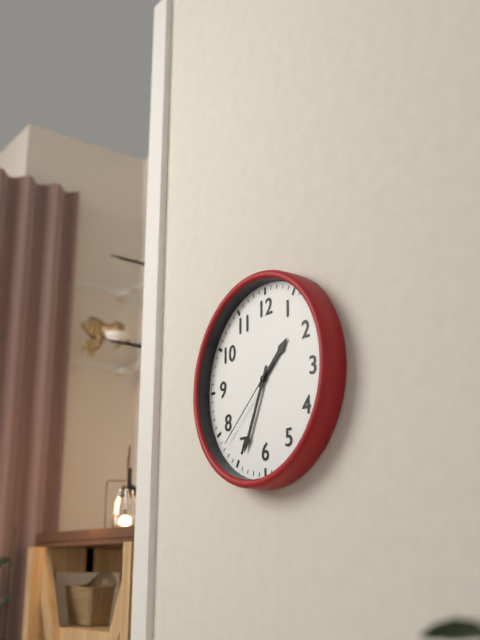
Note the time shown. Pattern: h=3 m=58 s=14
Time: h=1 m=34 s=38
